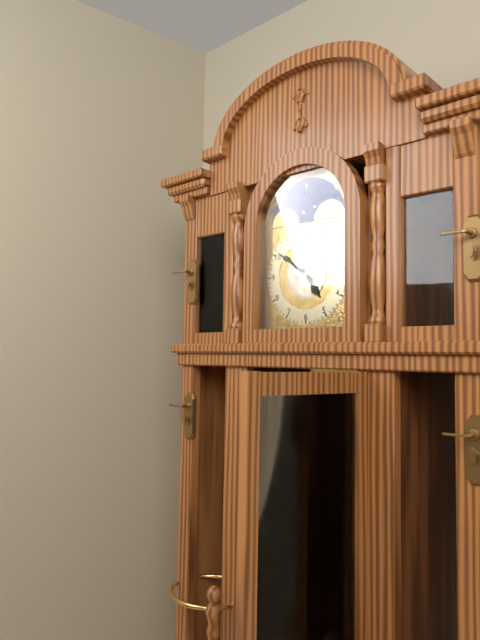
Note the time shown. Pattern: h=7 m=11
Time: h=4 m=51
